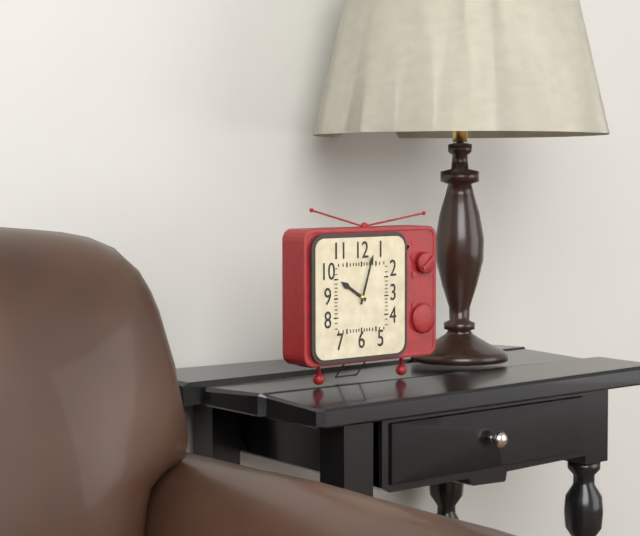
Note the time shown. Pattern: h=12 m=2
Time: h=10 m=3
